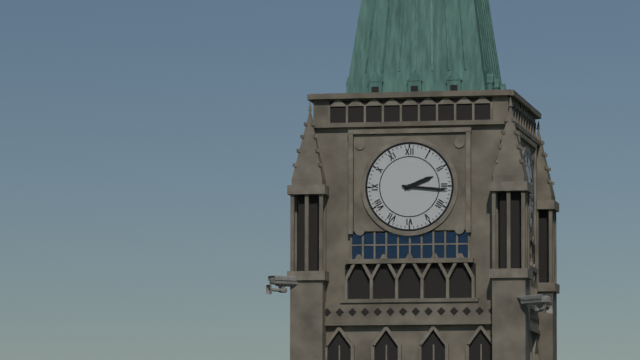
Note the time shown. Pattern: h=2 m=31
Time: h=2 m=16
